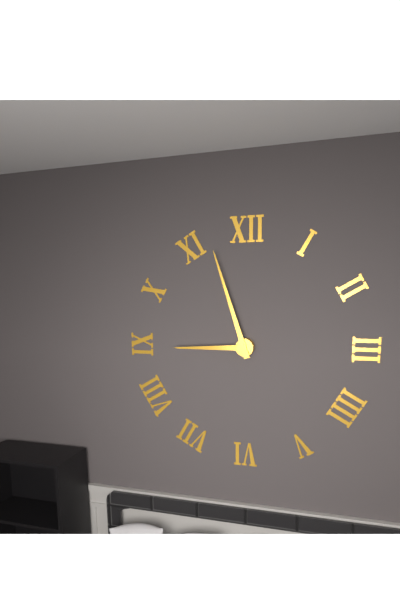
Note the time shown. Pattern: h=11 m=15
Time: h=8 m=57
